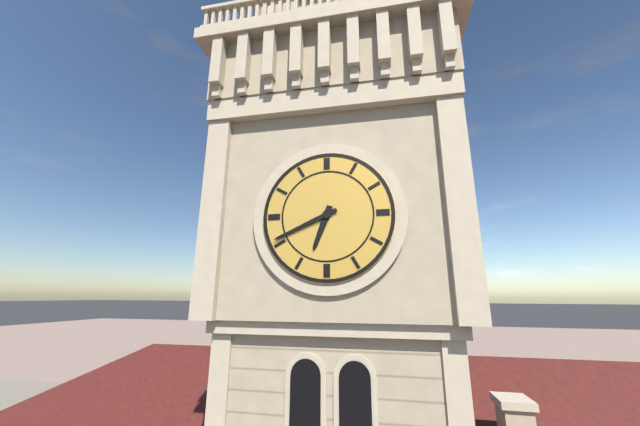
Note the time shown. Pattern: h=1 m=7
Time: h=6 m=41
